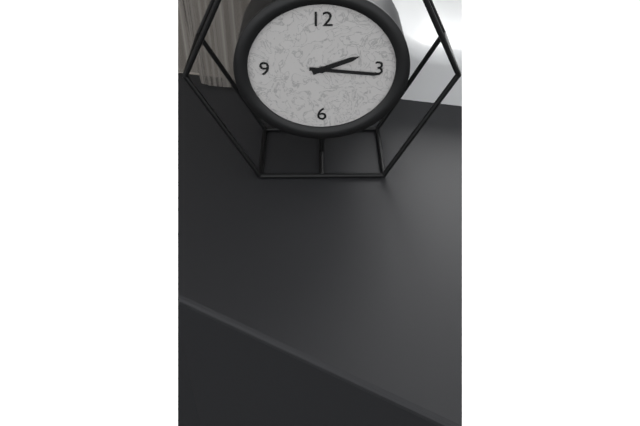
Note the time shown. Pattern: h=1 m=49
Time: h=2 m=16
